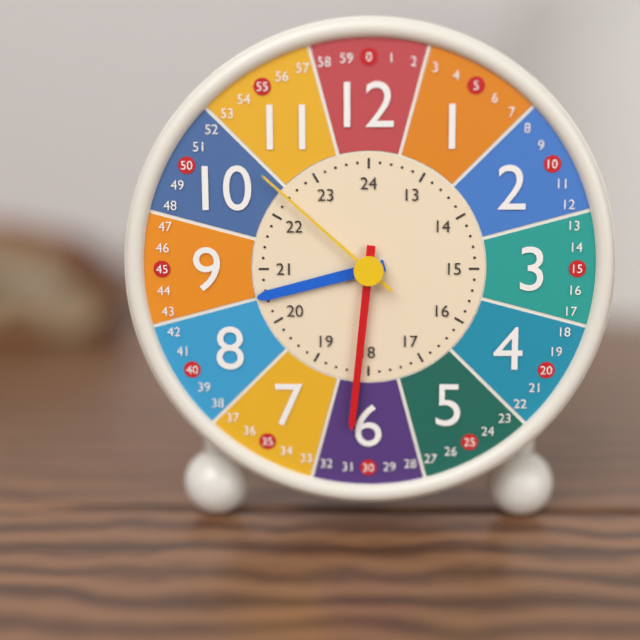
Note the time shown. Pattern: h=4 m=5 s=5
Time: h=8 m=31 s=52
